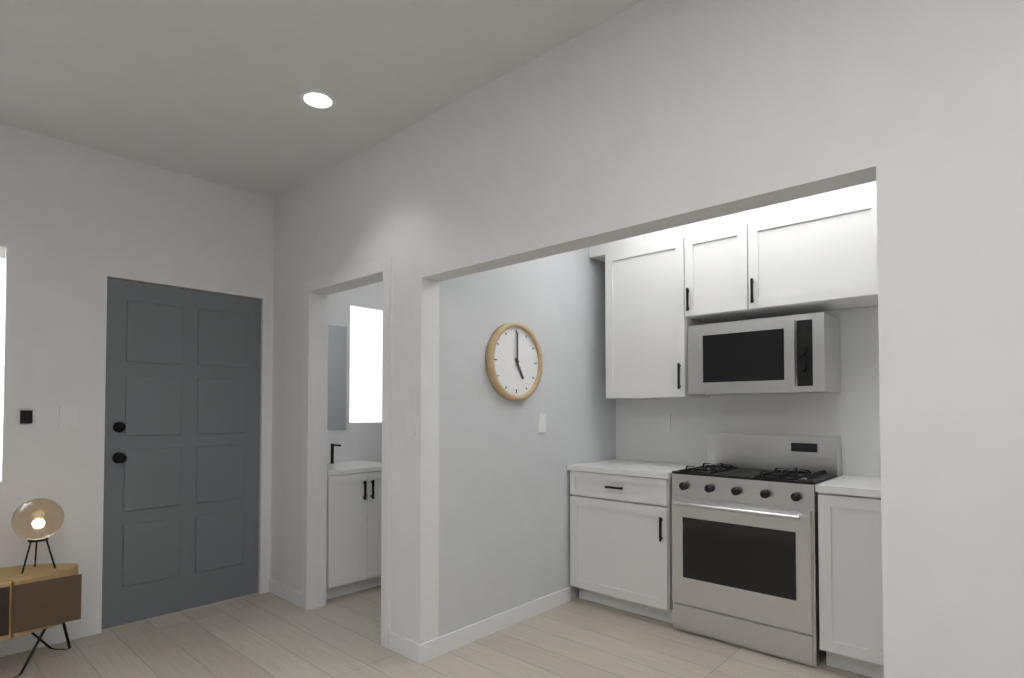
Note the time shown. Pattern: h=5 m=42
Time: h=5 m=0
